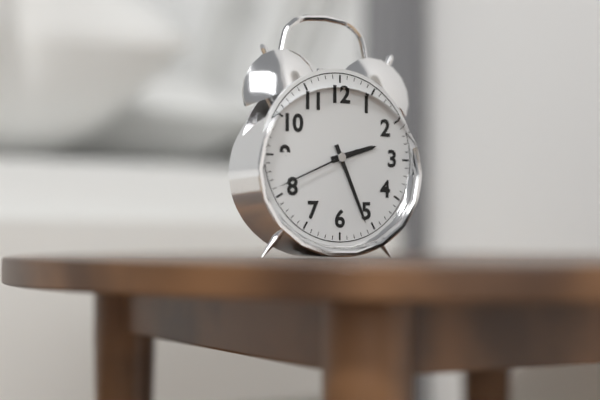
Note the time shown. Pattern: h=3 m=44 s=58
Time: h=2 m=26 s=41
